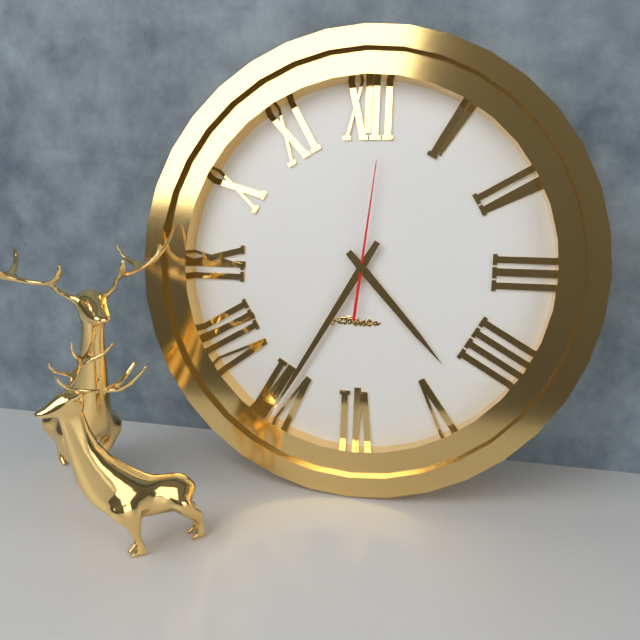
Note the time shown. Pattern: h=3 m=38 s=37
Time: h=4 m=35 s=1
